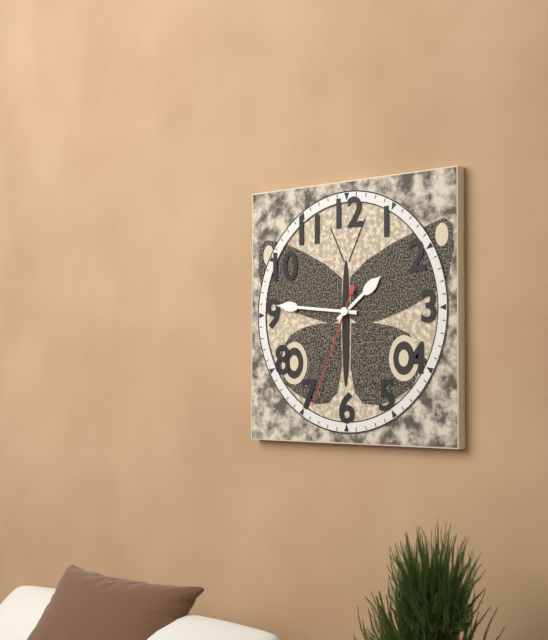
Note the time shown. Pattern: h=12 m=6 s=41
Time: h=1 m=46 s=34
